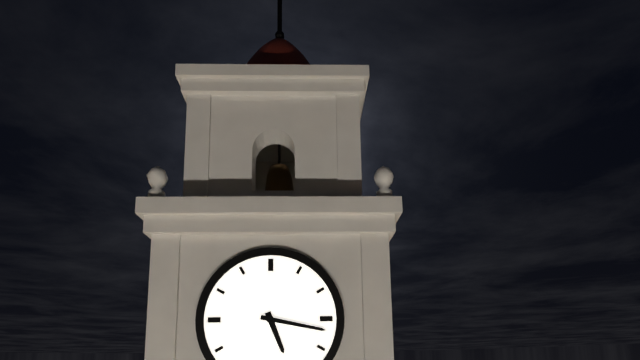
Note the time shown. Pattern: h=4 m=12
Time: h=5 m=17
